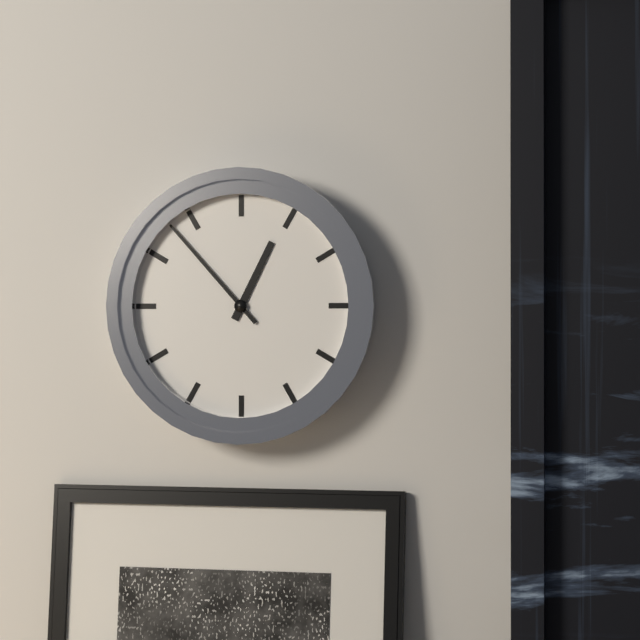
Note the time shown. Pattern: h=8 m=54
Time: h=12 m=53
